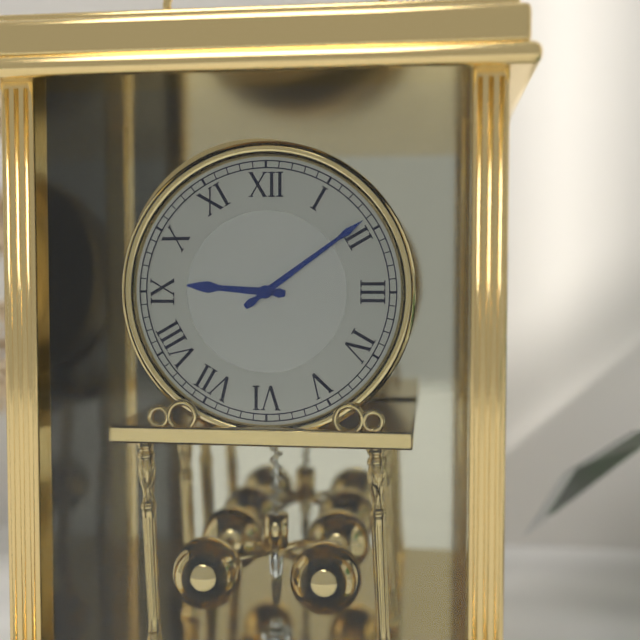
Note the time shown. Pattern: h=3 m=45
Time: h=9 m=9
